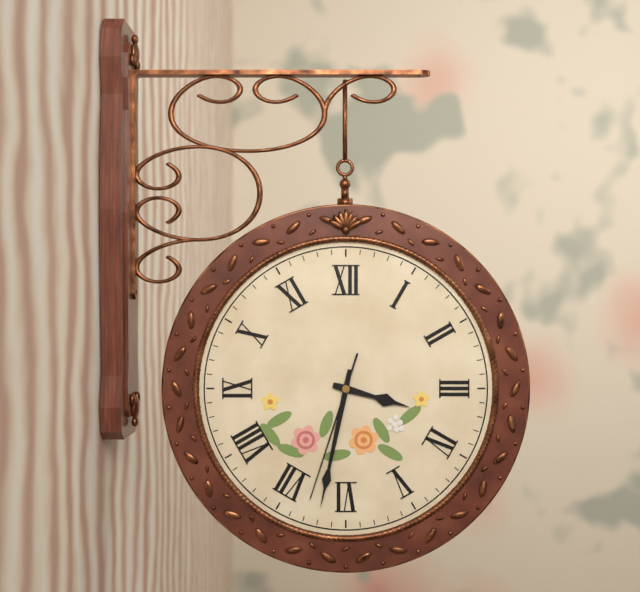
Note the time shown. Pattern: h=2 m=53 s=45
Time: h=3 m=32 s=33
